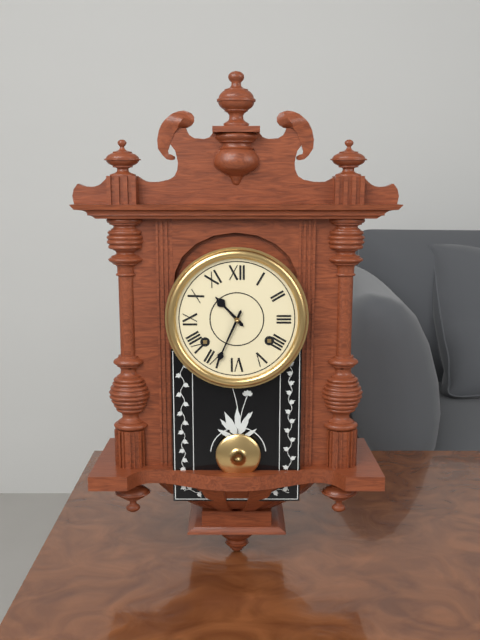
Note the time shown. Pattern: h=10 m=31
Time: h=10 m=34
